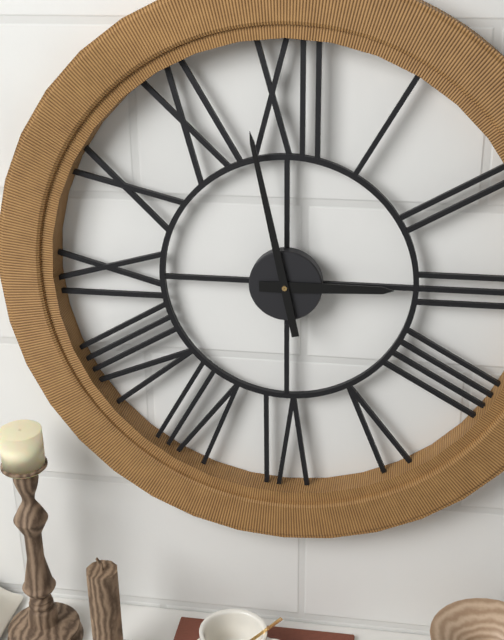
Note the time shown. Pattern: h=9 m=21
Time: h=2 m=58
